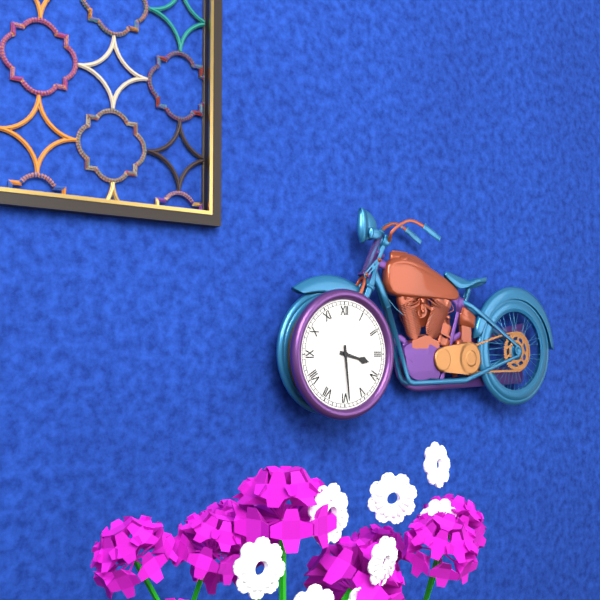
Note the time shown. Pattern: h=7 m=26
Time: h=3 m=29
